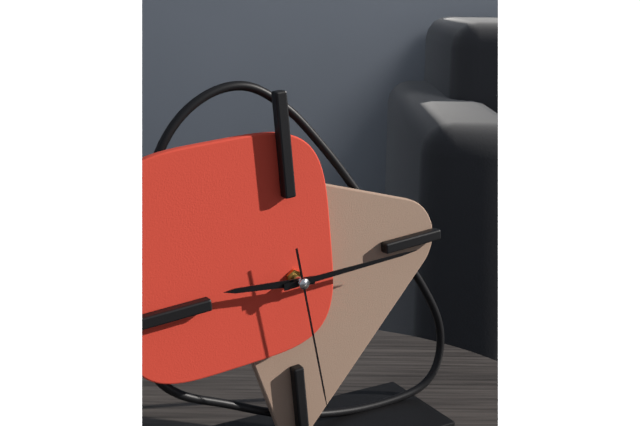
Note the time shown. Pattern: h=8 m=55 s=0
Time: h=9 m=15 s=29
